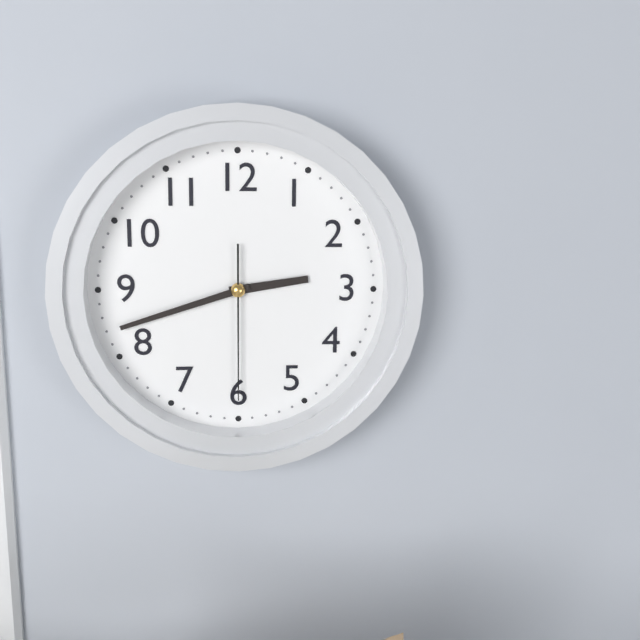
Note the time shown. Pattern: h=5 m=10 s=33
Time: h=2 m=42 s=30
